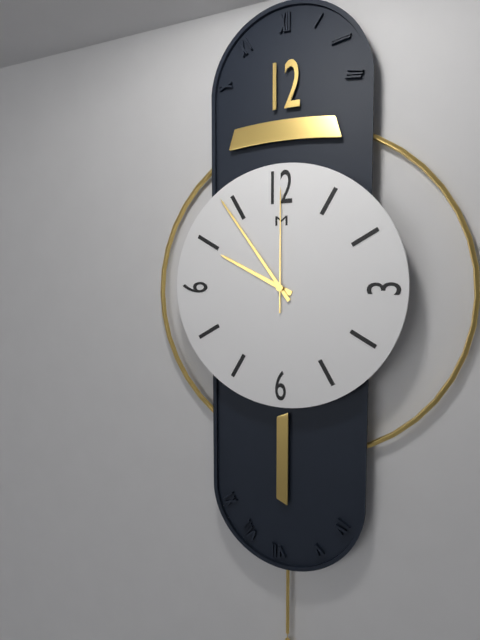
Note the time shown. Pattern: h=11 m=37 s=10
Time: h=9 m=54 s=0
